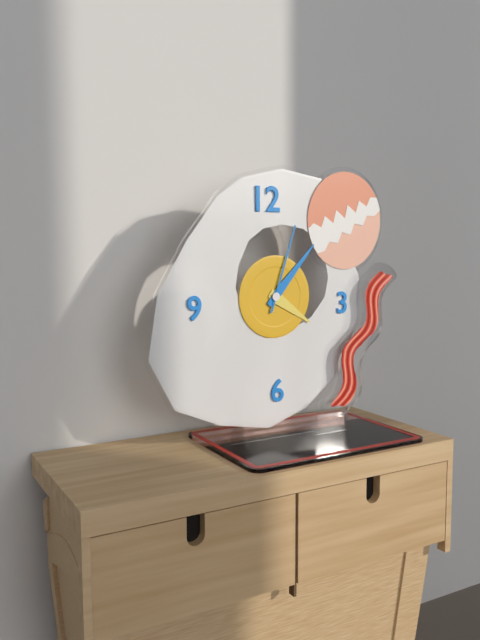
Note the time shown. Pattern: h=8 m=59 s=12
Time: h=4 m=7 s=3
